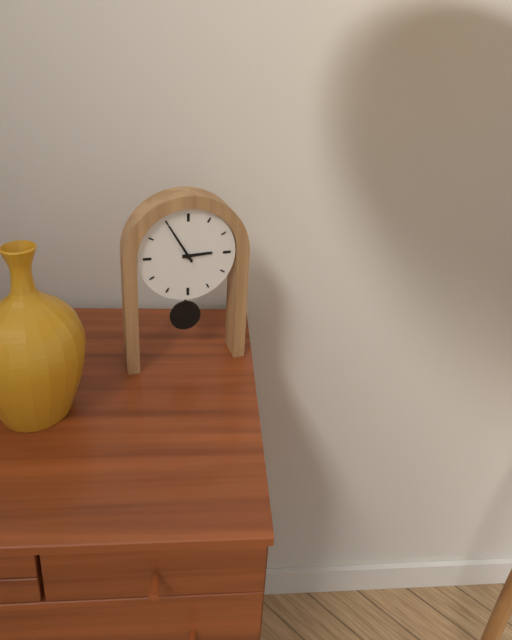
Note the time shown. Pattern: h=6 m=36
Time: h=2 m=55
